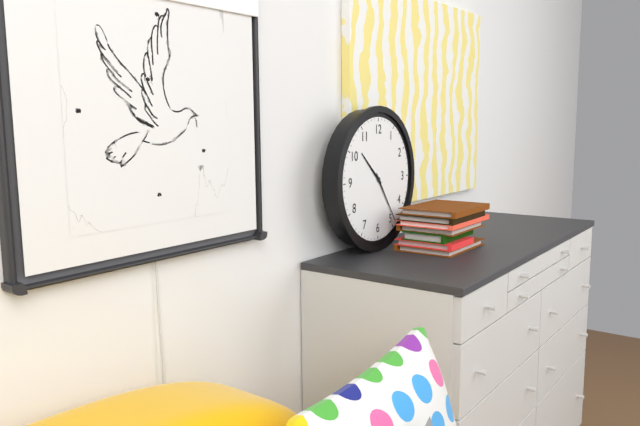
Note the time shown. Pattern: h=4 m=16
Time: h=10 m=24
